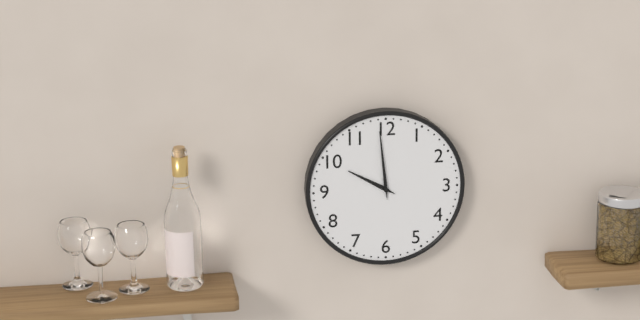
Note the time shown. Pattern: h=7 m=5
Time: h=9 m=59
